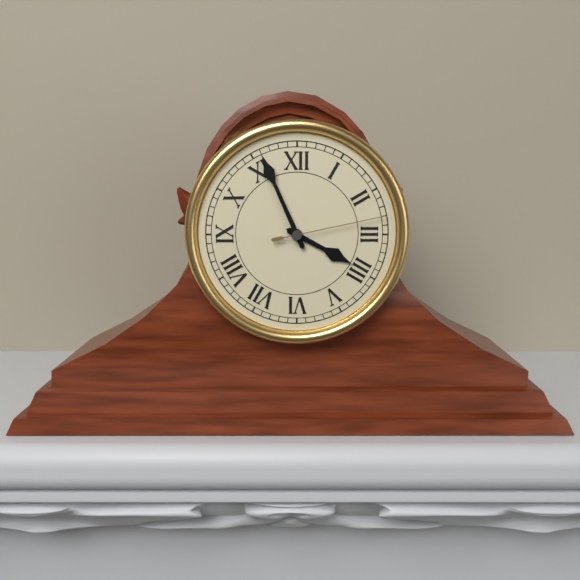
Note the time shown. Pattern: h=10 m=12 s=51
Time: h=3 m=56 s=13
